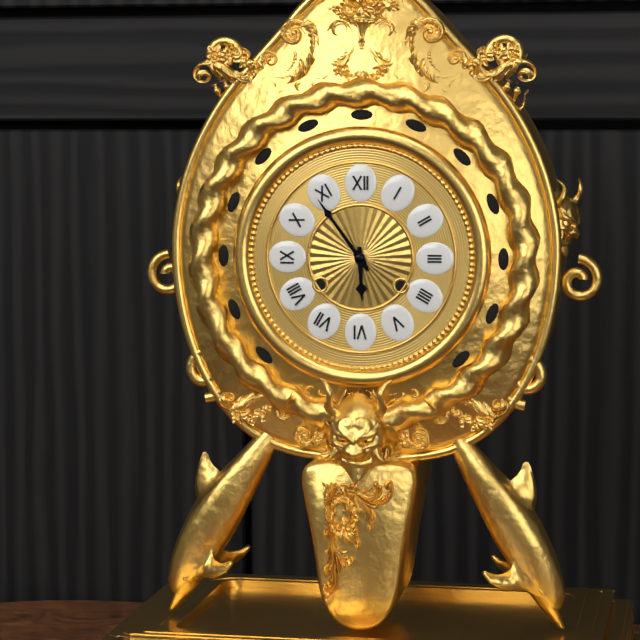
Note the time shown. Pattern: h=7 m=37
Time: h=5 m=54
